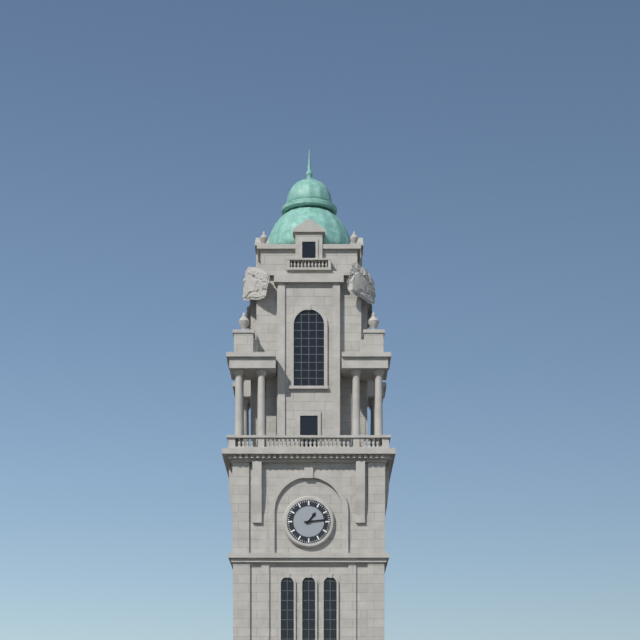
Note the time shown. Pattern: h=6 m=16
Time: h=1 m=14
